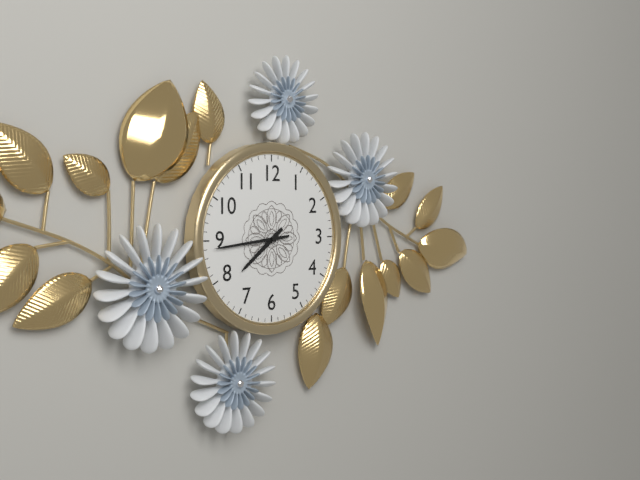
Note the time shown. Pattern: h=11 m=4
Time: h=7 m=44
